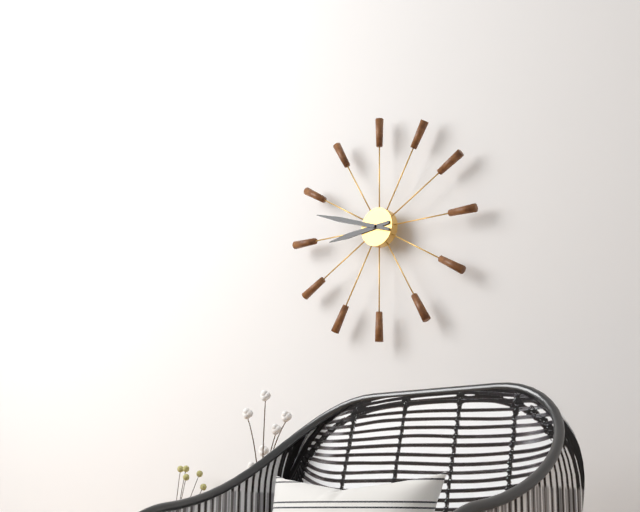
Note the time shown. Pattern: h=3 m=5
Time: h=8 m=48
